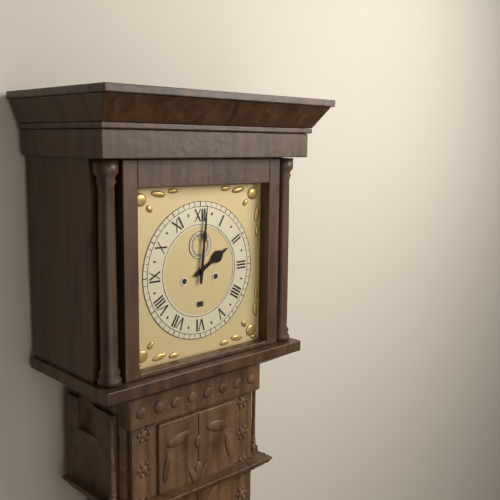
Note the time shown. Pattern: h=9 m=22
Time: h=2 m=1
